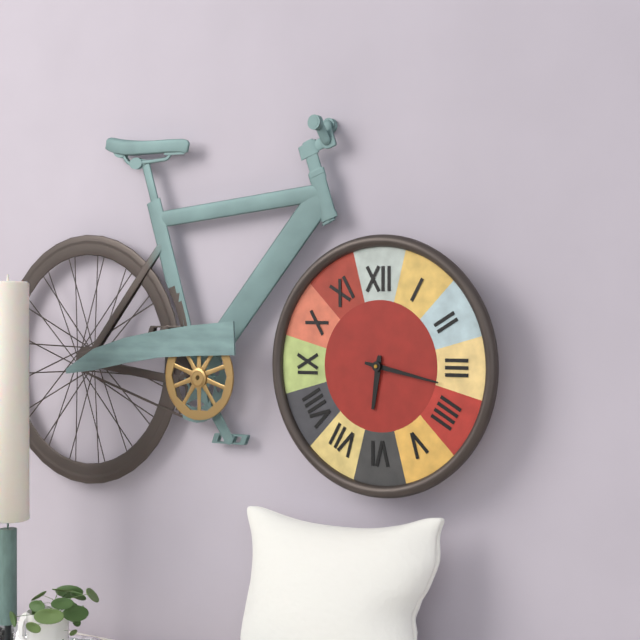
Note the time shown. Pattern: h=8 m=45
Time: h=6 m=17
